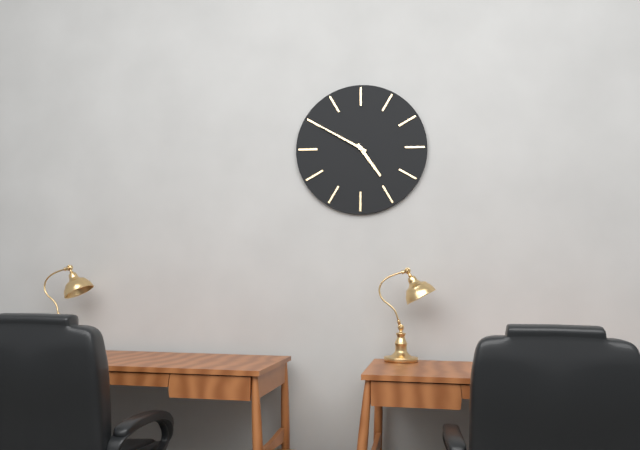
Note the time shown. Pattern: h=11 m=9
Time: h=4 m=50
